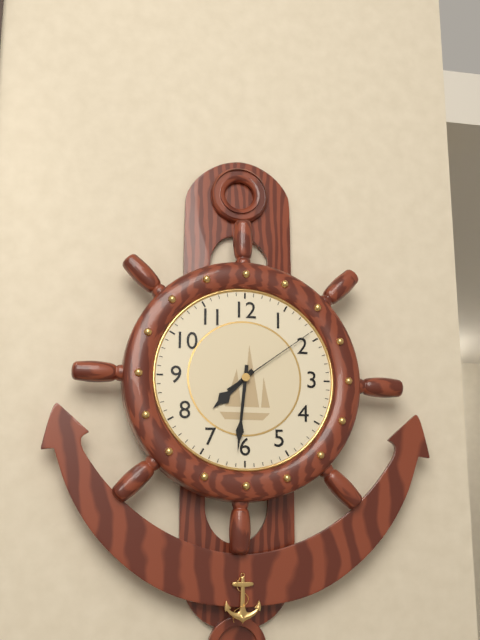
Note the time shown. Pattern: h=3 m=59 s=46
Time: h=7 m=31 s=9
